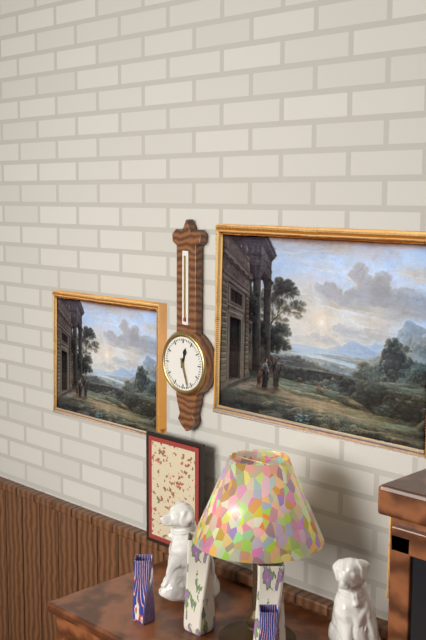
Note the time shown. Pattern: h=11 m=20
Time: h=12 m=27
